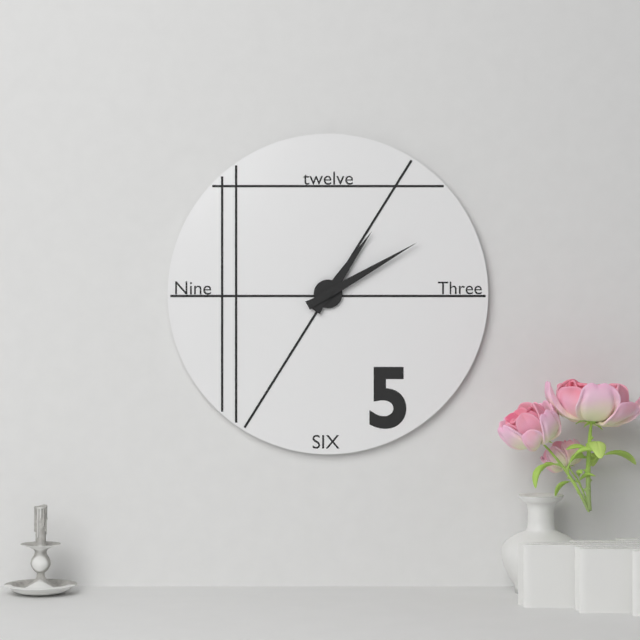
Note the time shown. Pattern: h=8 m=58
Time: h=1 m=10
